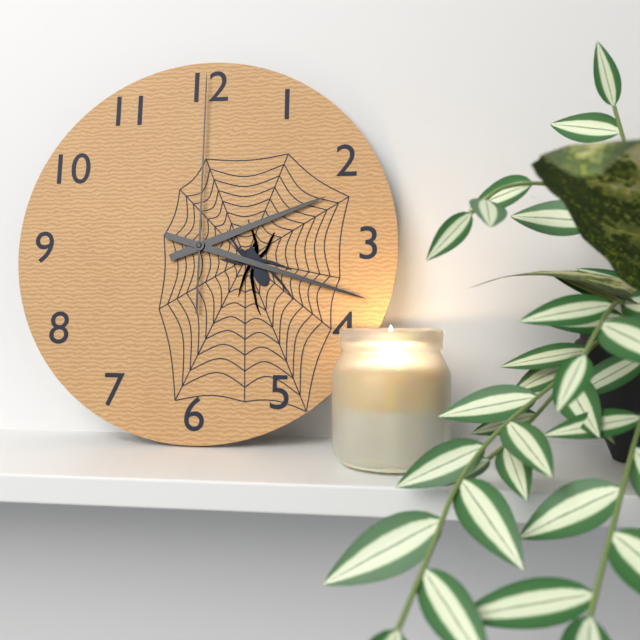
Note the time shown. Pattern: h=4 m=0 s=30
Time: h=2 m=18 s=0
